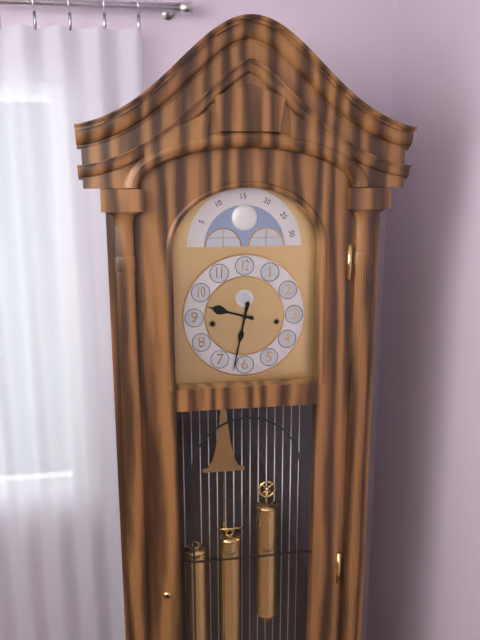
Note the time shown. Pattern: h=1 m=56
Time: h=9 m=32
